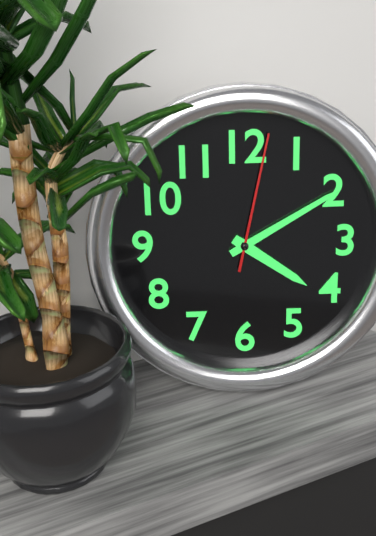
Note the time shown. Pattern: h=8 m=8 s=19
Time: h=4 m=10 s=2
